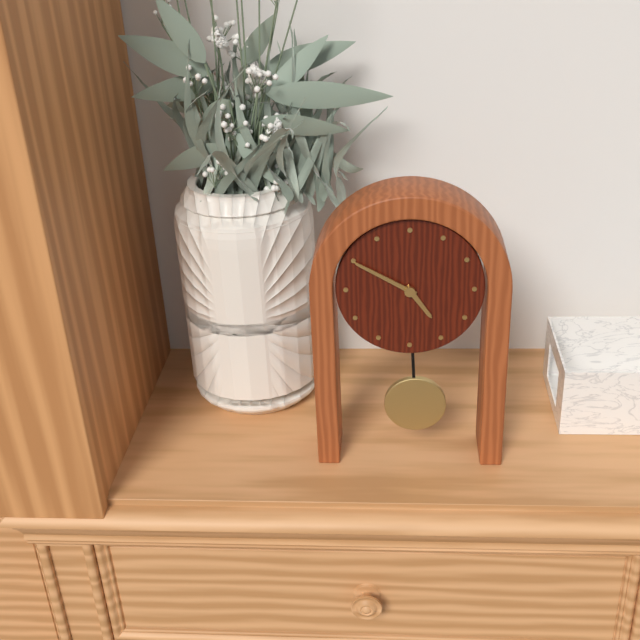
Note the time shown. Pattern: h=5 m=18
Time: h=4 m=50
